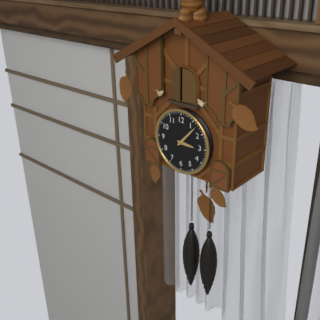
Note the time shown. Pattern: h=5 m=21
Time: h=3 m=7
